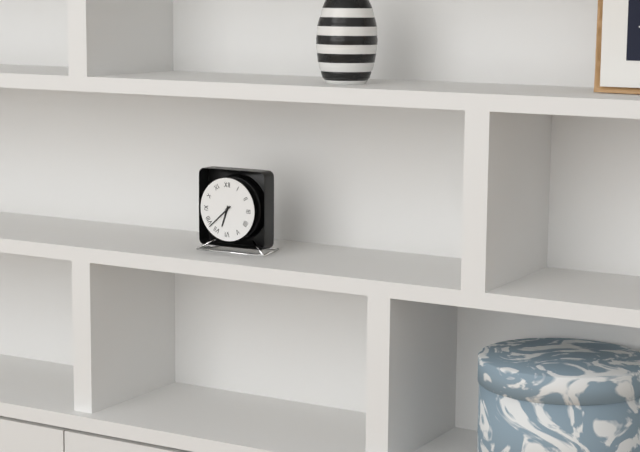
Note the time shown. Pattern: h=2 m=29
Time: h=6 m=38
